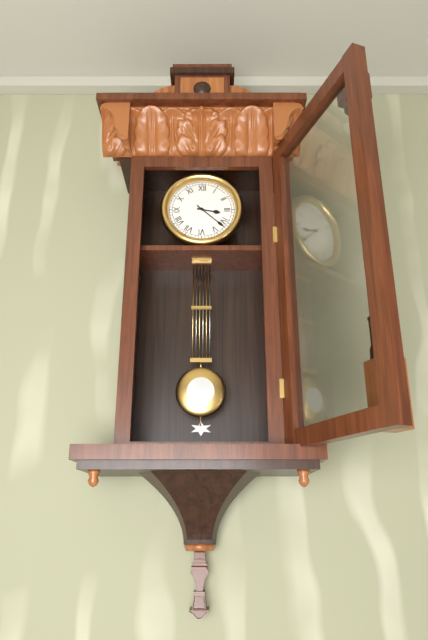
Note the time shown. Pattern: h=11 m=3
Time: h=3 m=22
